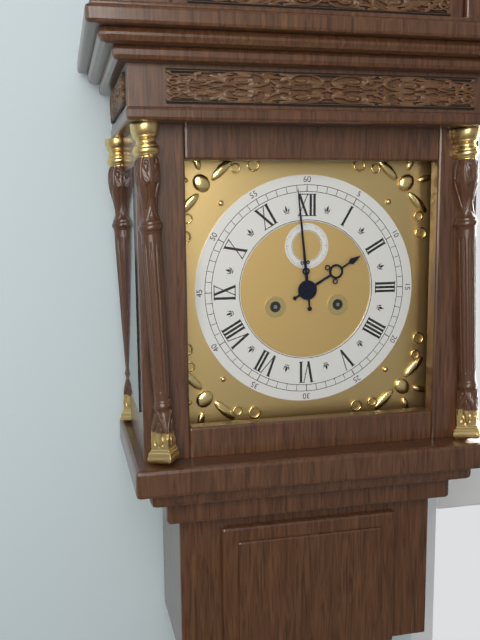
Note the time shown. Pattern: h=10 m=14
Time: h=1 m=59
